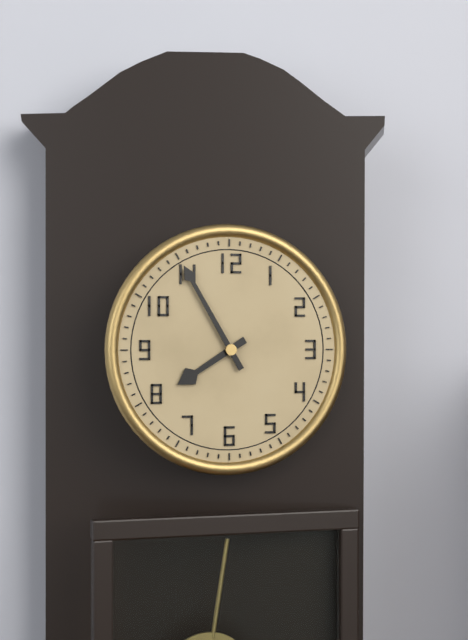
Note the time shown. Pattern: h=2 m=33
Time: h=7 m=55
